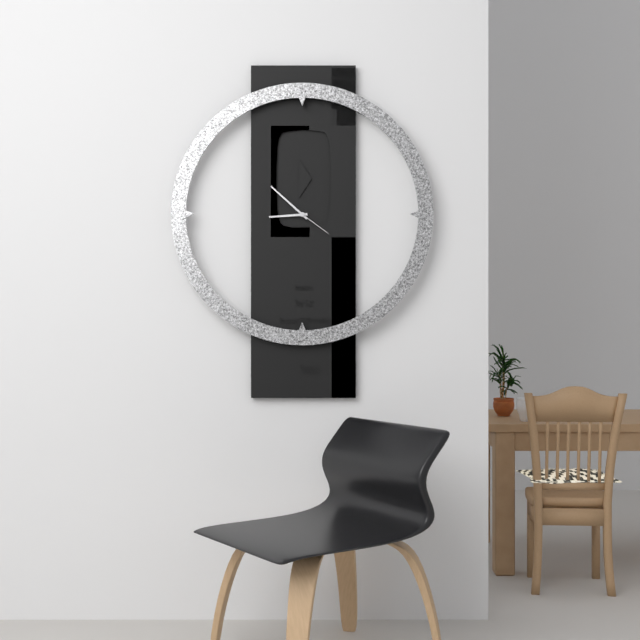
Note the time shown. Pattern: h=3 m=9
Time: h=8 m=52
